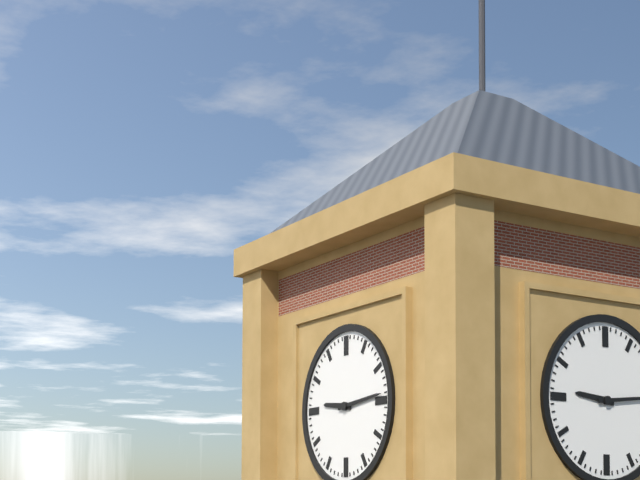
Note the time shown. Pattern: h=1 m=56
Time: h=9 m=14
